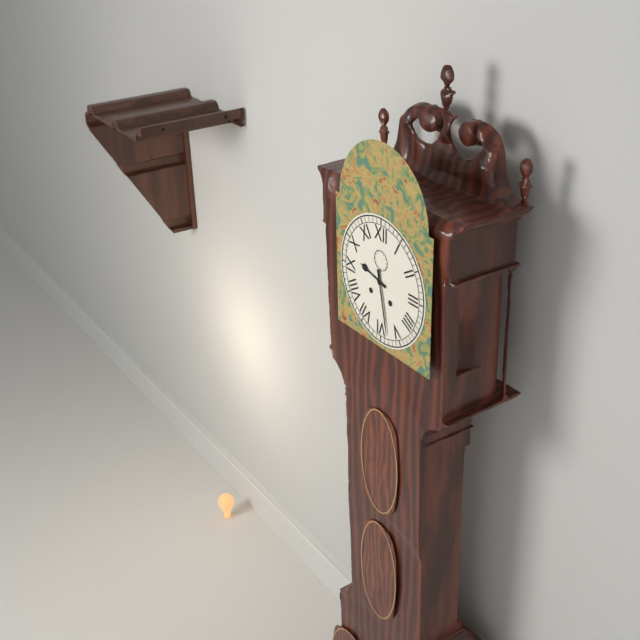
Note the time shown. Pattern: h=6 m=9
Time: h=9 m=28
